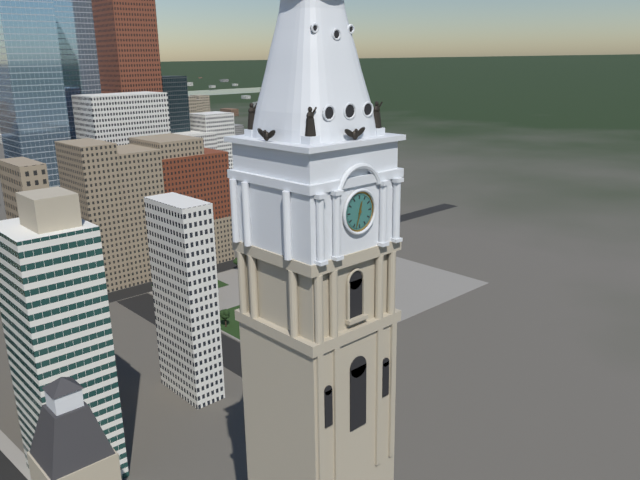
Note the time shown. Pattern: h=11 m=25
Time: h=12 m=33
